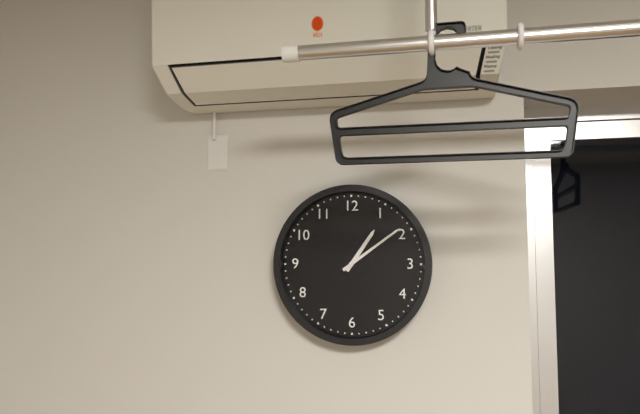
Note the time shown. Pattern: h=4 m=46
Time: h=1 m=9
